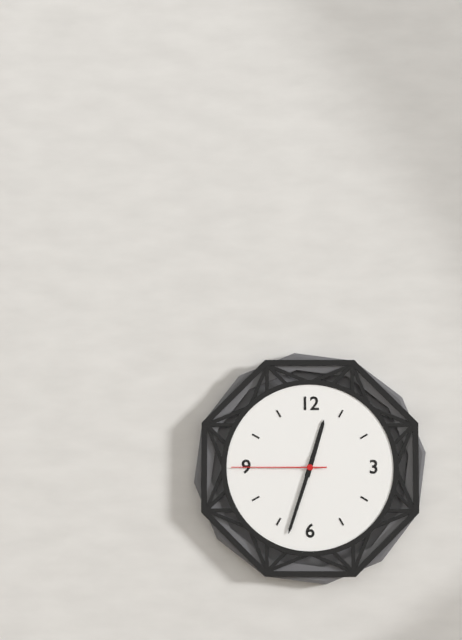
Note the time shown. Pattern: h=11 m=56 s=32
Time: h=12 m=33 s=45
